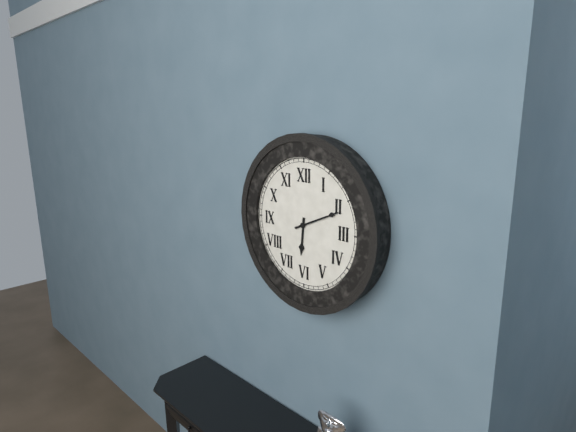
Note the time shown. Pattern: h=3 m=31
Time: h=6 m=11
